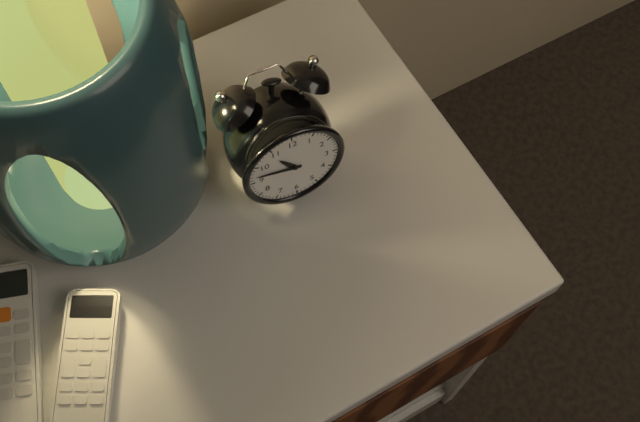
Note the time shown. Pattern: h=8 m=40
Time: h=10 m=47
